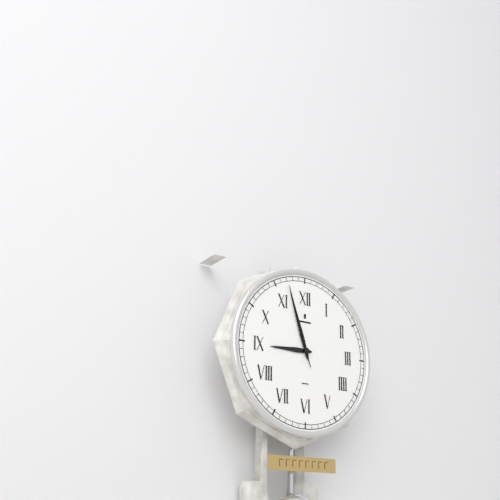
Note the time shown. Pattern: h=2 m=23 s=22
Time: h=8 m=57 s=57
